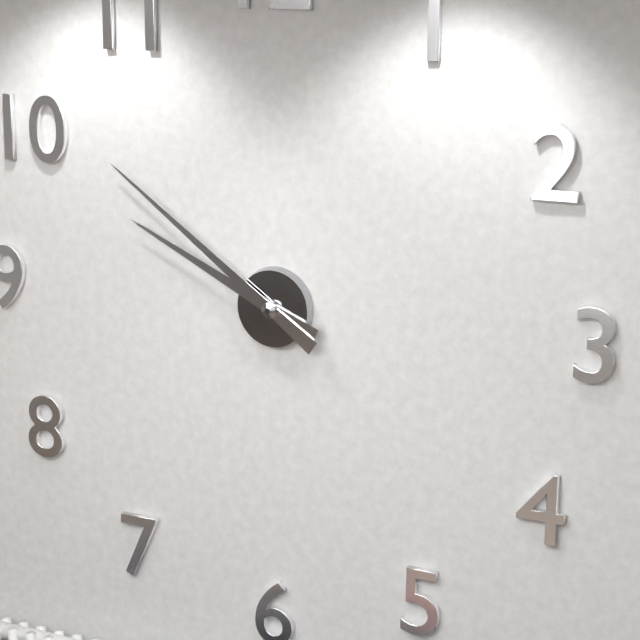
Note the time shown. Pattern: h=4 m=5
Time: h=9 m=51
